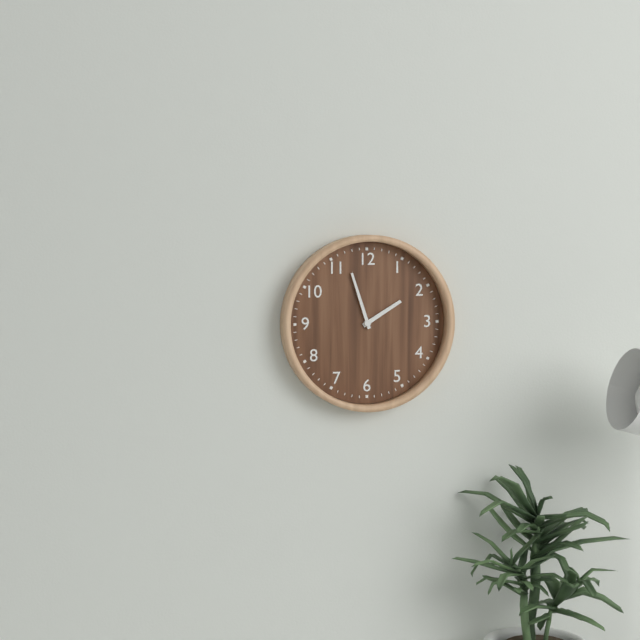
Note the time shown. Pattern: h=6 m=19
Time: h=1 m=57
